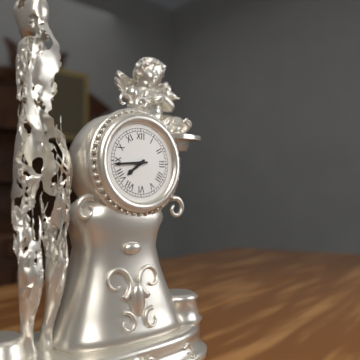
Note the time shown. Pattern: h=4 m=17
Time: h=7 m=44
